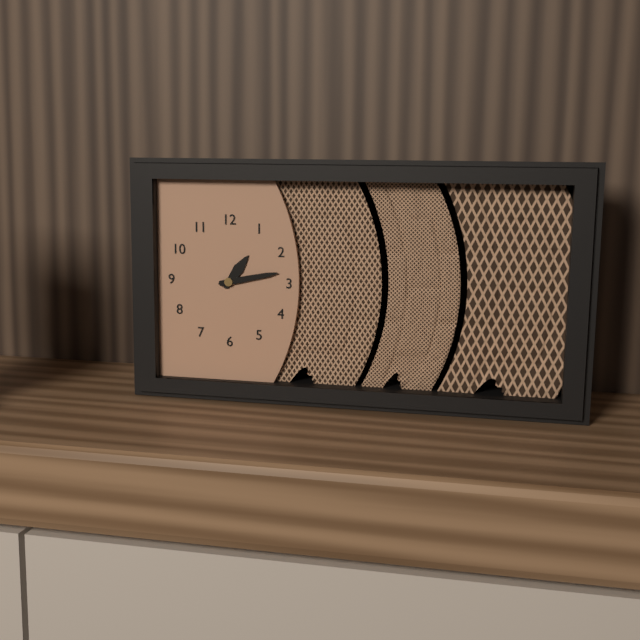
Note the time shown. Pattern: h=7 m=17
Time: h=1 m=13
